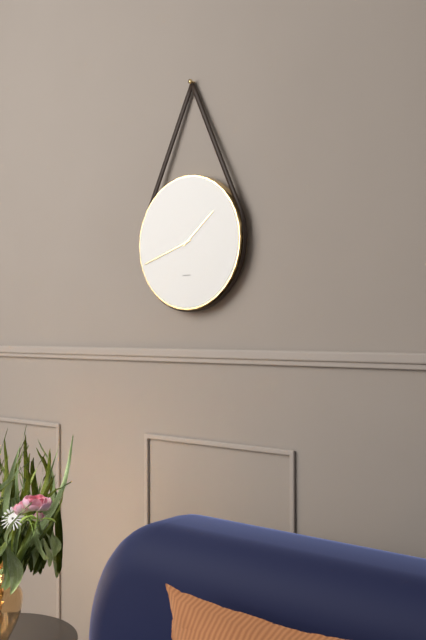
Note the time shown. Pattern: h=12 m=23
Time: h=1 m=42
